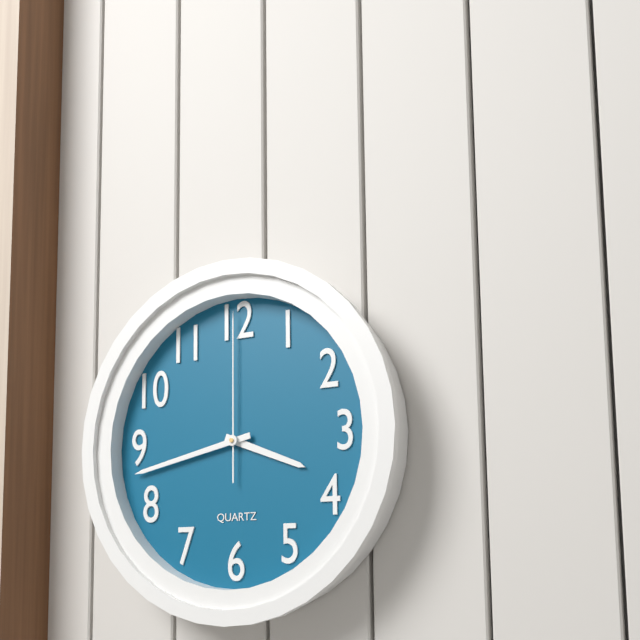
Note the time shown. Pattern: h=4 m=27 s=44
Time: h=3 m=43 s=0
